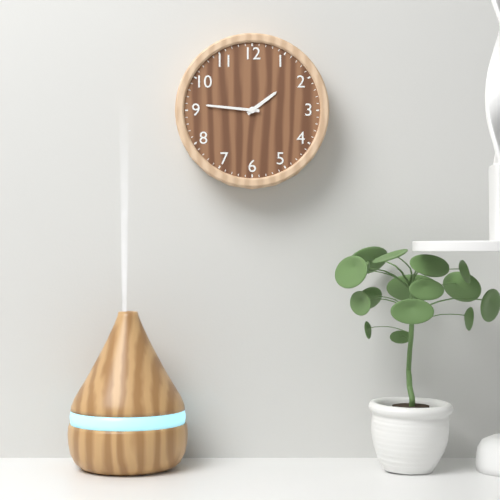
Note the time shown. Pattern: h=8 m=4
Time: h=1 m=46
